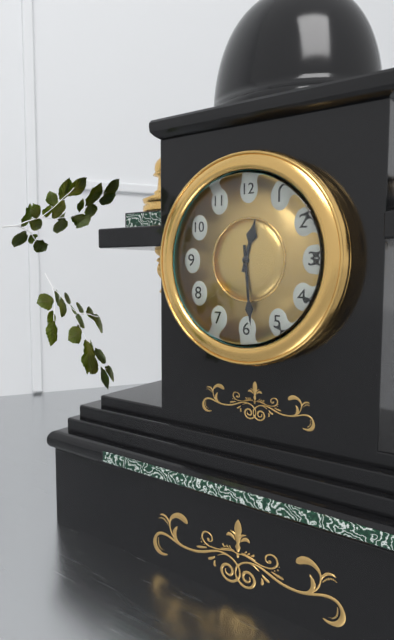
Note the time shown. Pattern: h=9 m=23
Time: h=12 m=29
